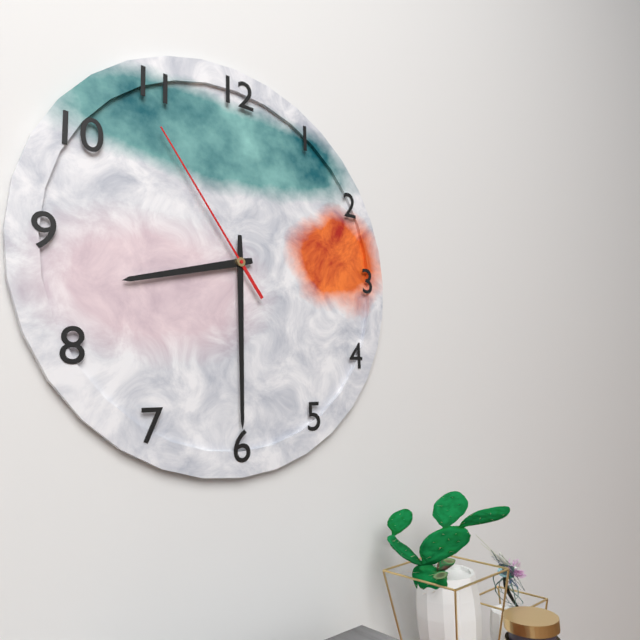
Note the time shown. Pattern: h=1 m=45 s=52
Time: h=8 m=30 s=54
